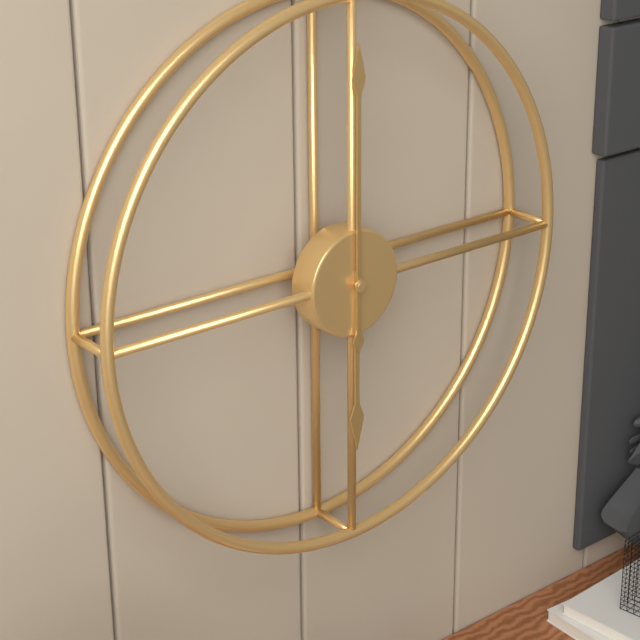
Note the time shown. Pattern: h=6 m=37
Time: h=6 m=0
